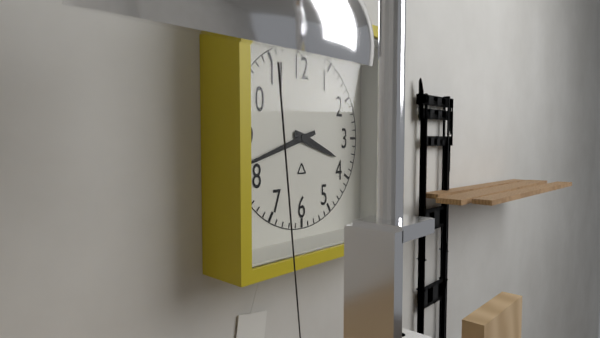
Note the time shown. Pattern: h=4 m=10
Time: h=3 m=42
